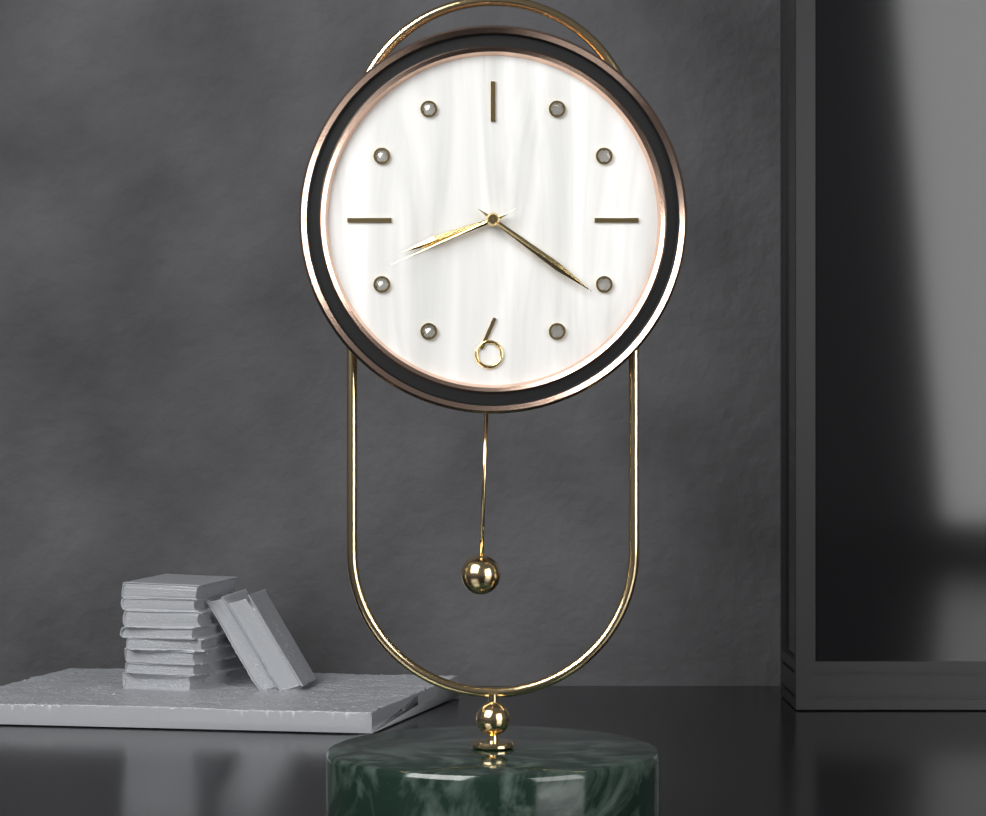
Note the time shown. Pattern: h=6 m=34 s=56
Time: h=8 m=21 s=41
